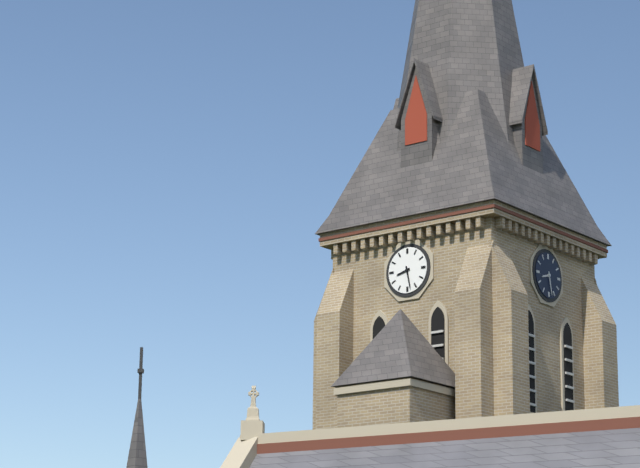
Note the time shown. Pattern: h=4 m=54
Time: h=8 m=28
